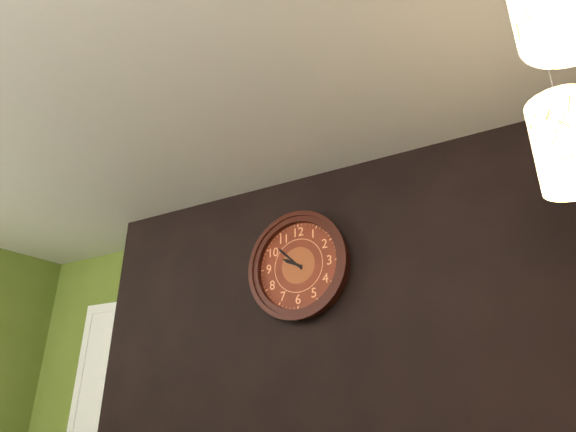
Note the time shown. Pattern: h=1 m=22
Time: h=9 m=52
